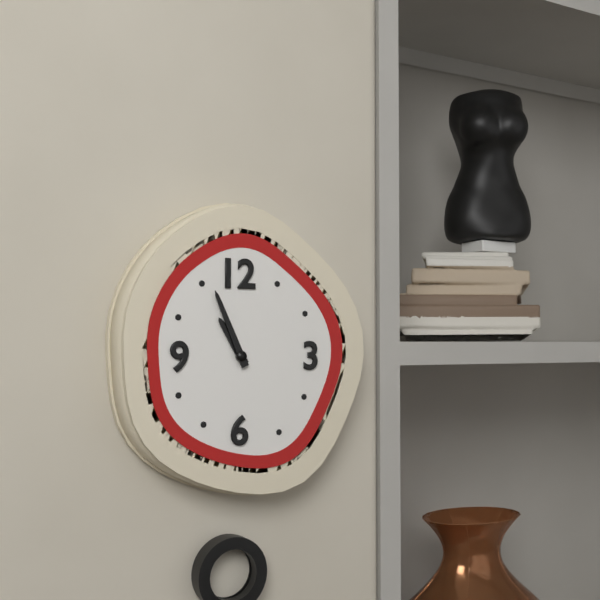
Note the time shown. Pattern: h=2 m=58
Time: h=10 m=56
